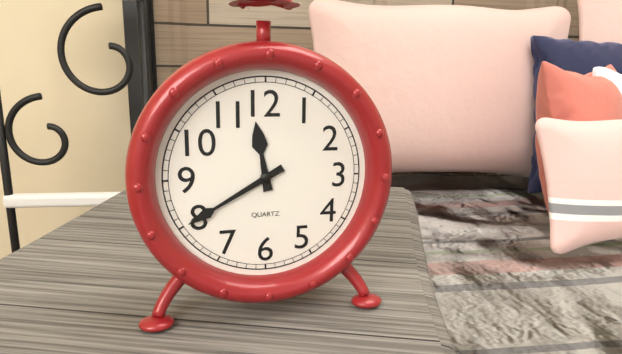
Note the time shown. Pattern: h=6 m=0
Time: h=11 m=40
